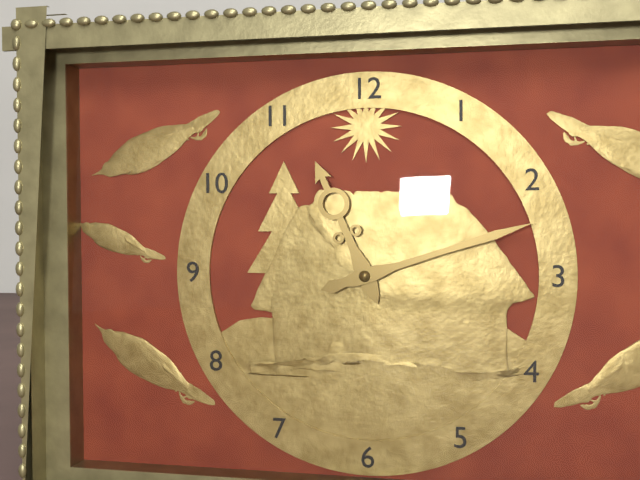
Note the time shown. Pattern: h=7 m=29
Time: h=11 m=12
